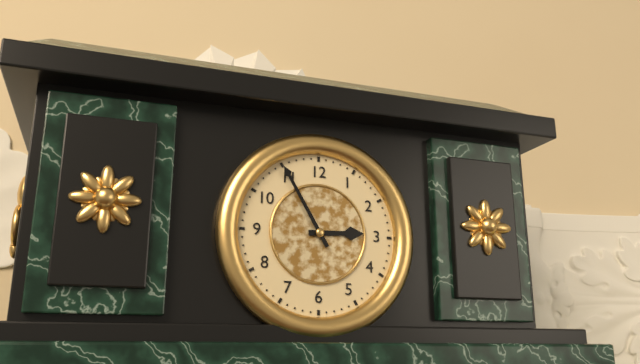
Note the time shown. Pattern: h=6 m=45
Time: h=2 m=55
